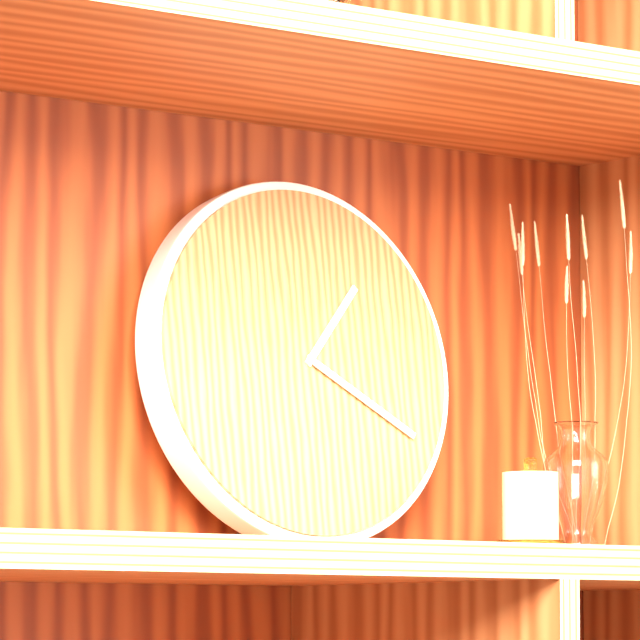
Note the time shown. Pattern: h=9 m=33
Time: h=1 m=20
